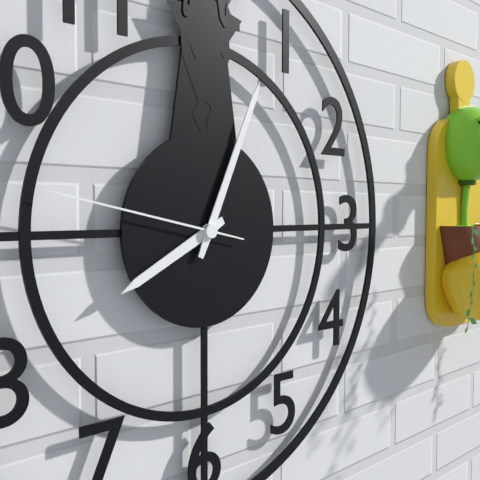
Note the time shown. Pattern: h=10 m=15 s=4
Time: h=8 m=4 s=47
